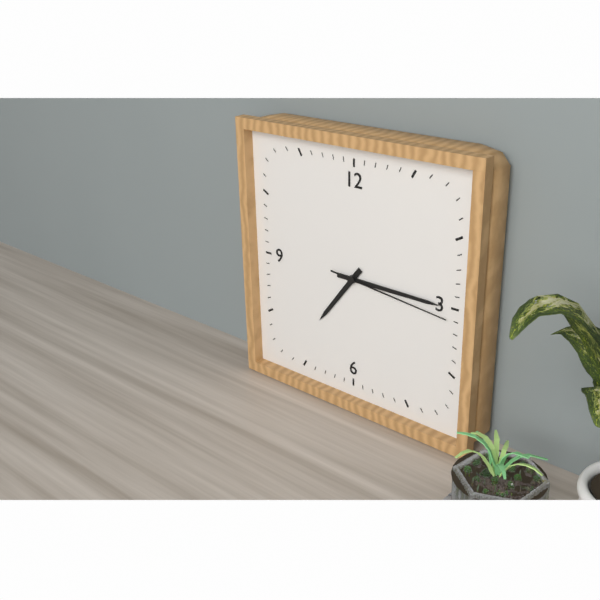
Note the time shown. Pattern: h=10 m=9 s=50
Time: h=7 m=15 s=16
